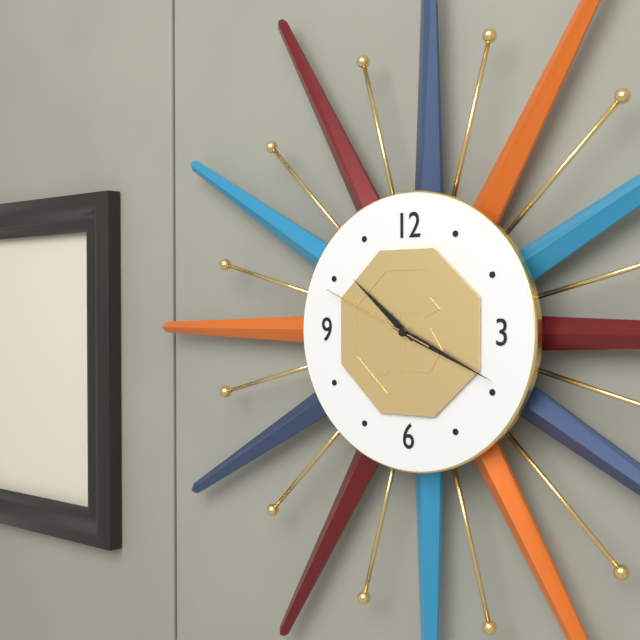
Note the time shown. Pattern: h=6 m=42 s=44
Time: h=10 m=19 s=49
